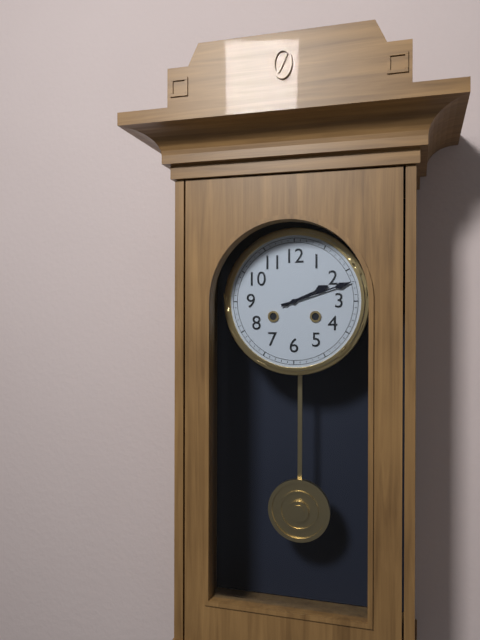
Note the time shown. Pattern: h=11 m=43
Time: h=2 m=12
